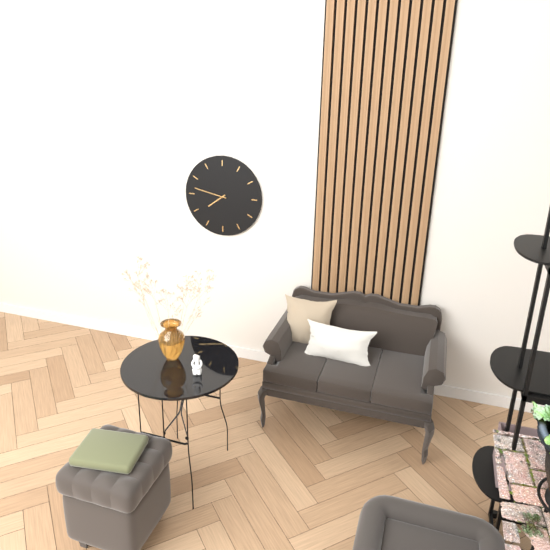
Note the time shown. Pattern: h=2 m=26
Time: h=7 m=47
